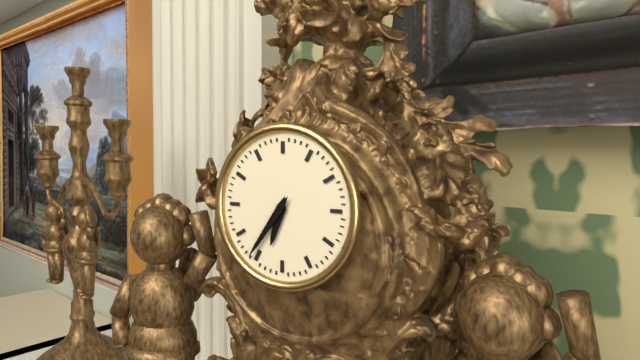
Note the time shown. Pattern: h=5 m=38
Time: h=6 m=36
